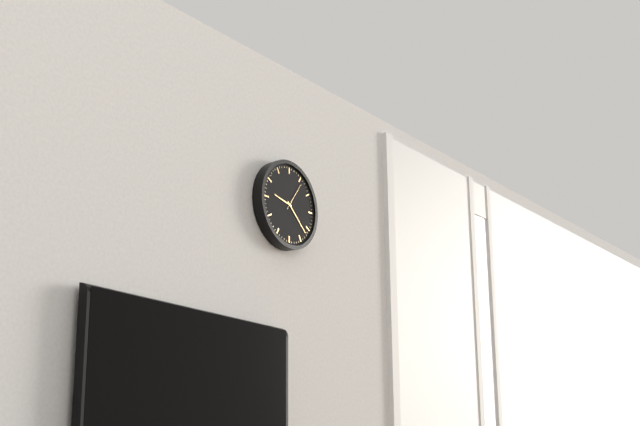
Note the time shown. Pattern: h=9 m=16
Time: h=9 m=22
